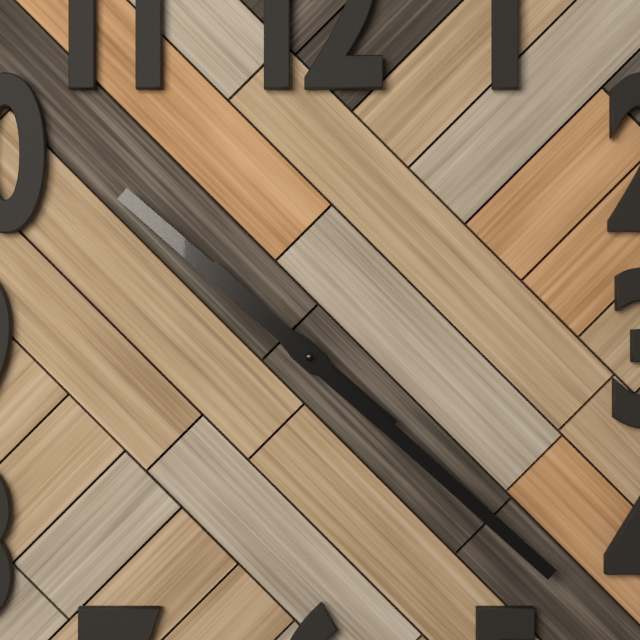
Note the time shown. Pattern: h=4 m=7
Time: h=10 m=22
